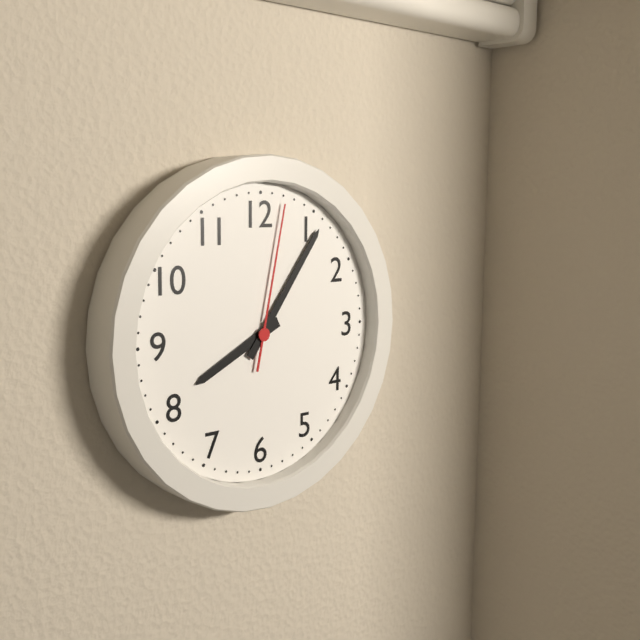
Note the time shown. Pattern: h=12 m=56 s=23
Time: h=8 m=6 s=2
